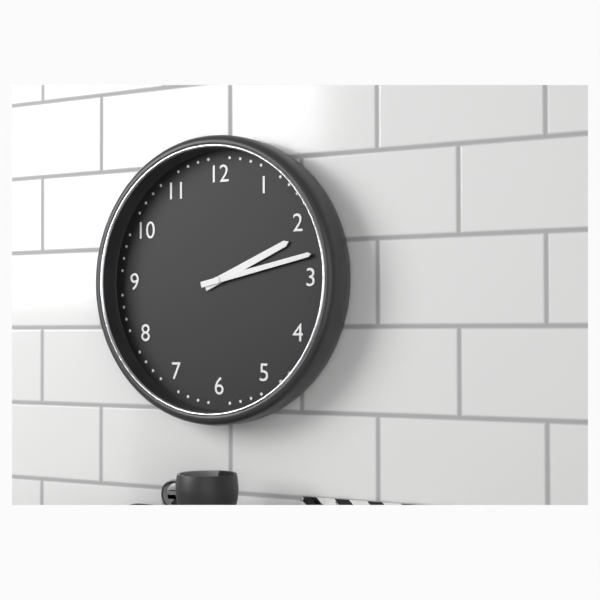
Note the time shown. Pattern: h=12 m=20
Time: h=2 m=13
